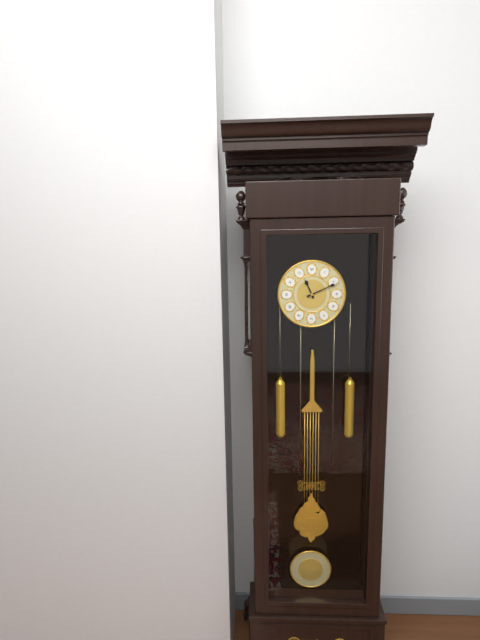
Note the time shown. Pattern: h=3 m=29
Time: h=11 m=11
